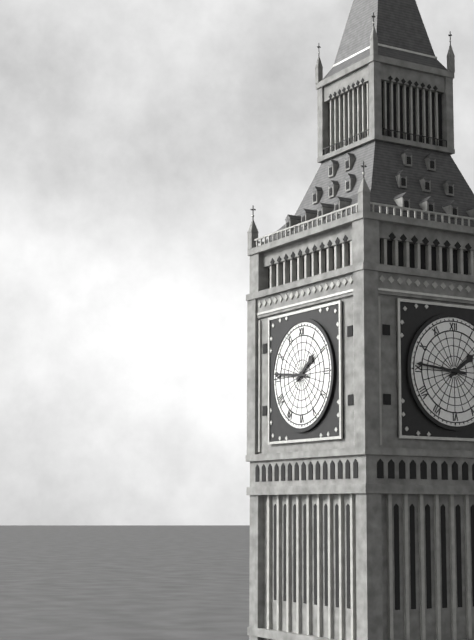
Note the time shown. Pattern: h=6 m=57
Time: h=1 m=46
